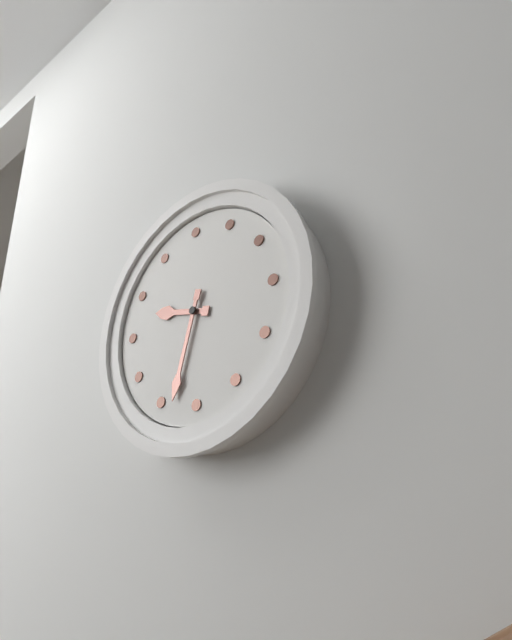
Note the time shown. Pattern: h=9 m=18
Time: h=9 m=33
